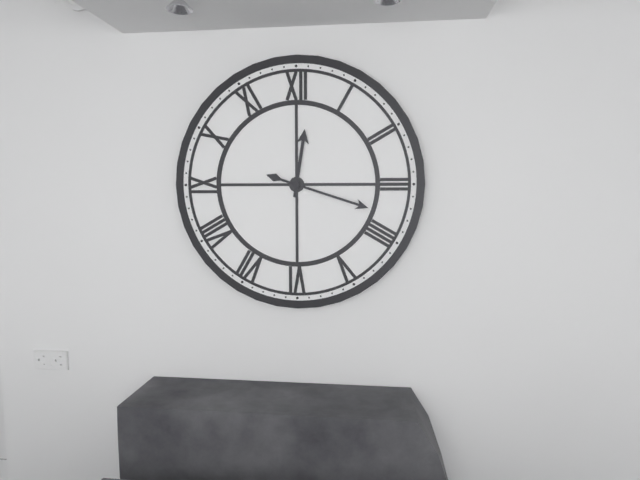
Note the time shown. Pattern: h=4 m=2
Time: h=12 m=18
